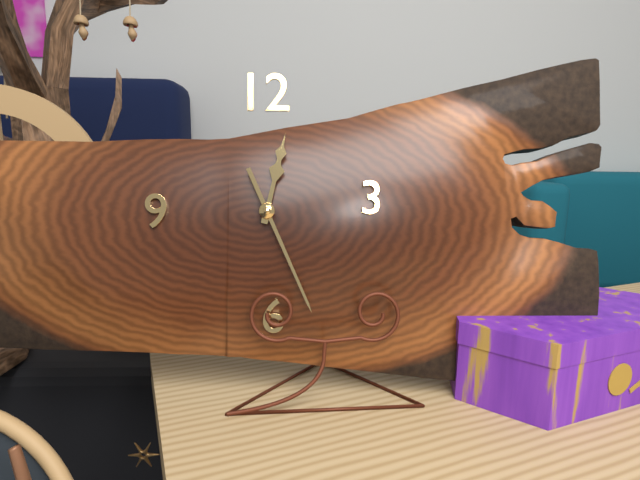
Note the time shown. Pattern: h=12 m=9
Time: h=12 m=26
